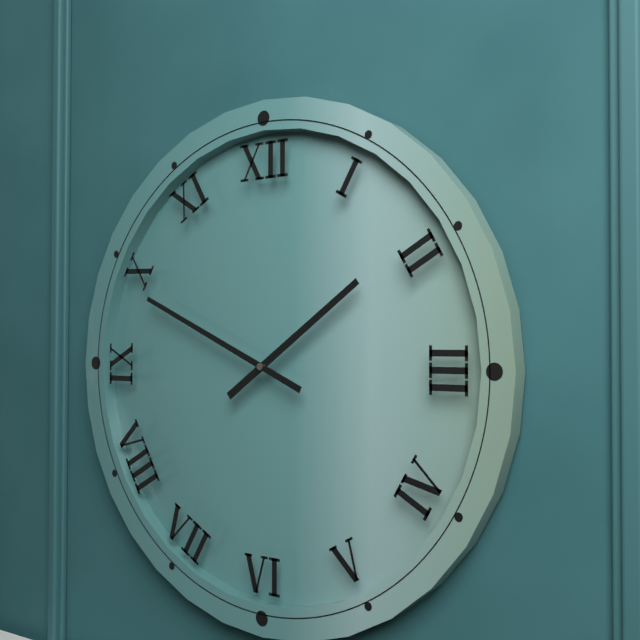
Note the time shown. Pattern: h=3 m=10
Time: h=1 m=49
